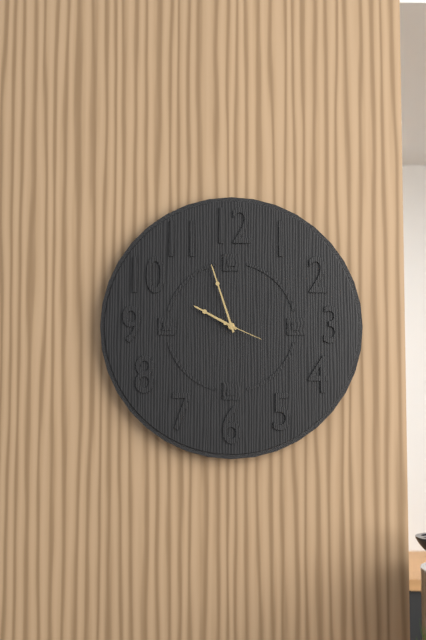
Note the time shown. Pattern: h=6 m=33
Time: h=9 m=57
